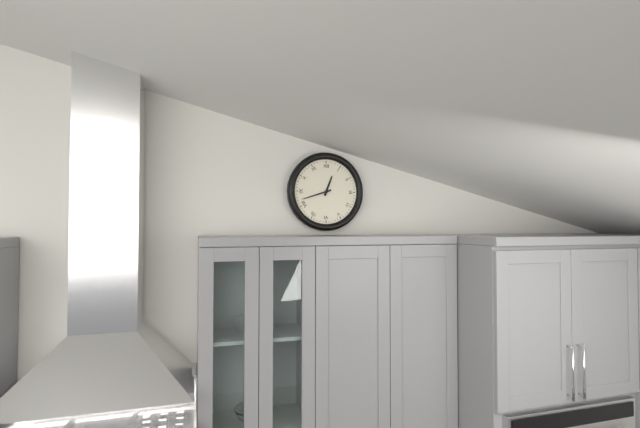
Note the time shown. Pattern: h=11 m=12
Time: h=12 m=42
